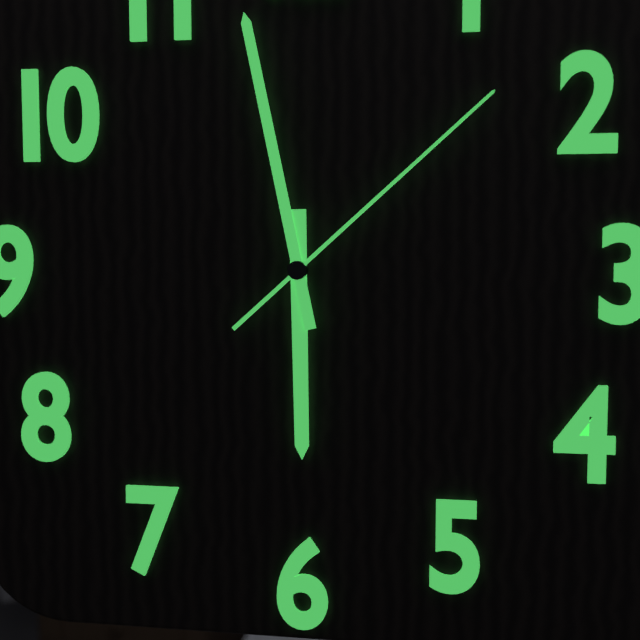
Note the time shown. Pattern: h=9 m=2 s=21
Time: h=5 m=58 s=8
